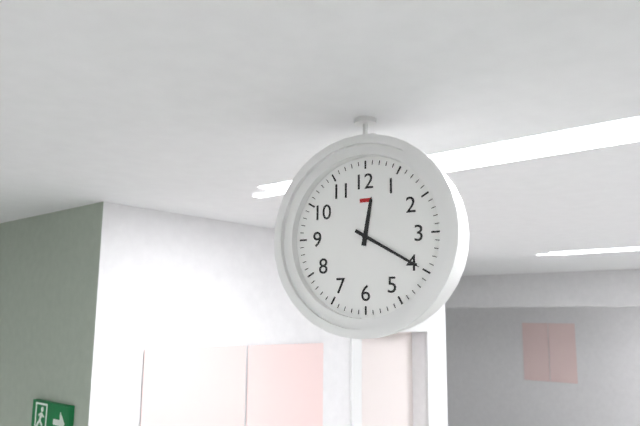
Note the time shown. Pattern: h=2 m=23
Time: h=12 m=20
